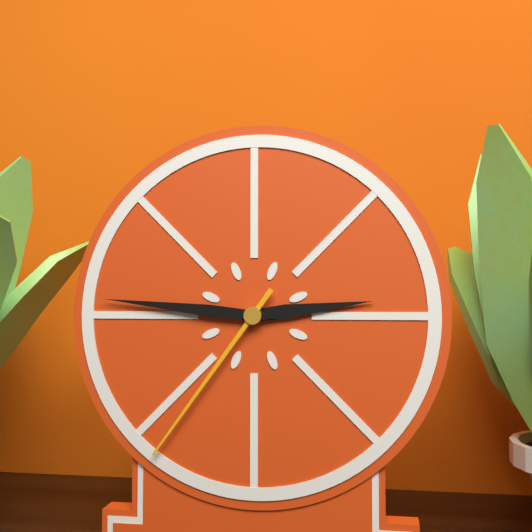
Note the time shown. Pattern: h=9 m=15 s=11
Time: h=2 m=46 s=36
